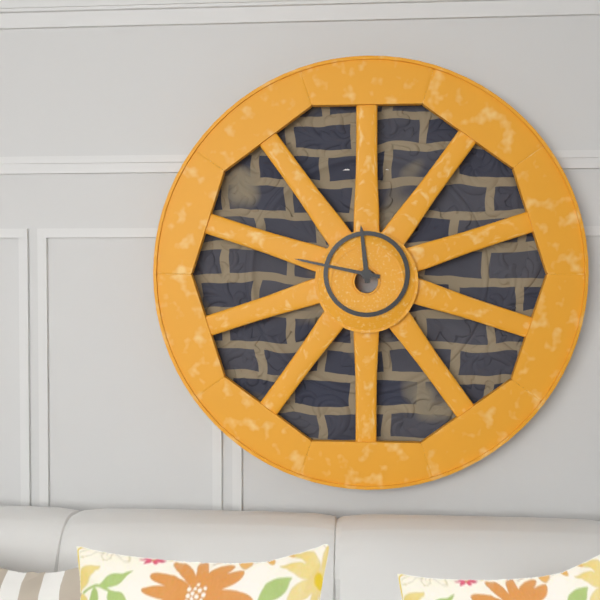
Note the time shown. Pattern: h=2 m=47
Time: h=11 m=47
